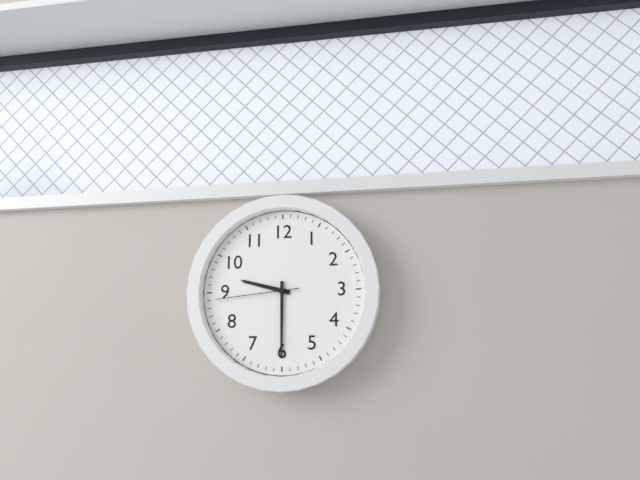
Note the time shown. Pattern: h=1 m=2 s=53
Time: h=9 m=30 s=44
